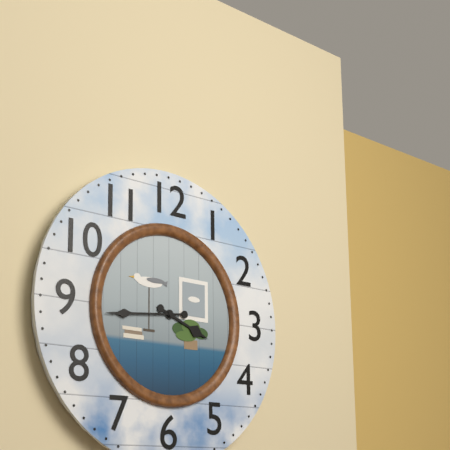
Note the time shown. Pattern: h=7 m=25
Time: h=3 m=44
